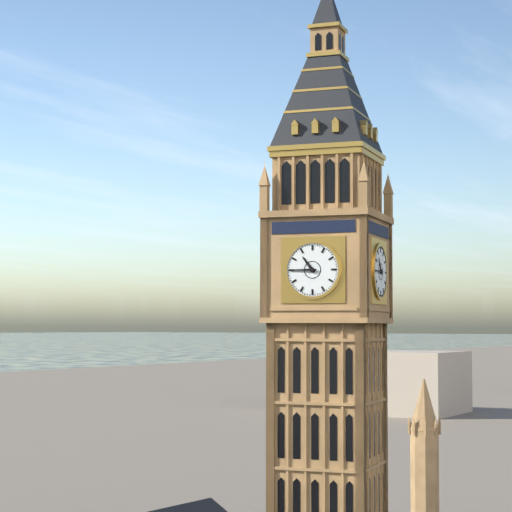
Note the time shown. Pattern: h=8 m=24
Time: h=10 m=45
